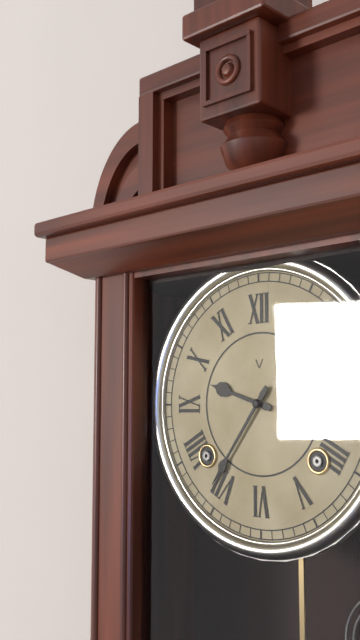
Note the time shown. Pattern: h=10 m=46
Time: h=9 m=36
